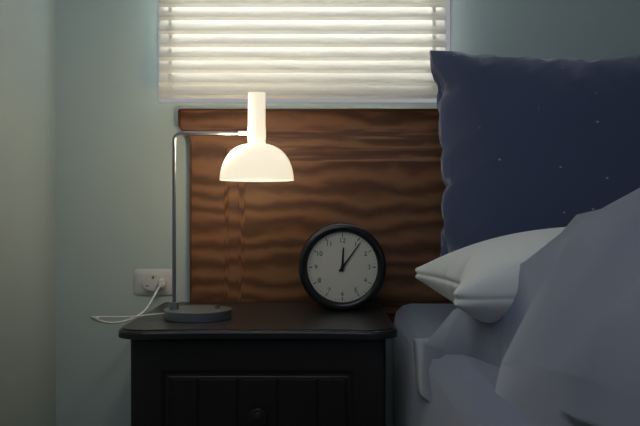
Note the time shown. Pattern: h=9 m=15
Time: h=12 m=6
